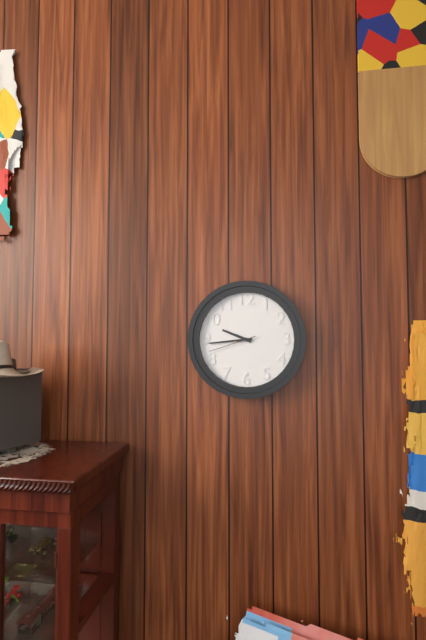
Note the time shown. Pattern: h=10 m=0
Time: h=9 m=44
